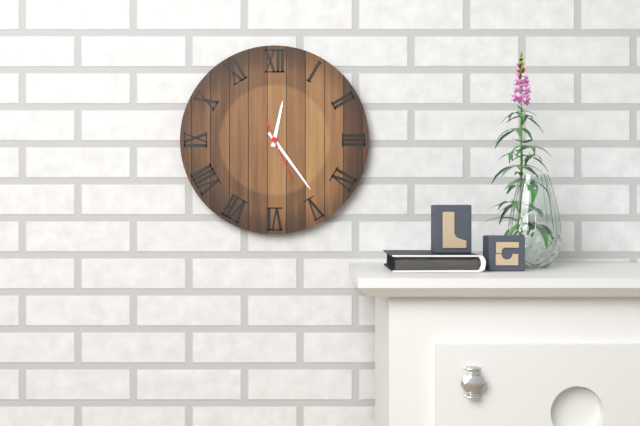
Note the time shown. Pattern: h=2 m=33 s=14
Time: h=12 m=24 s=26
